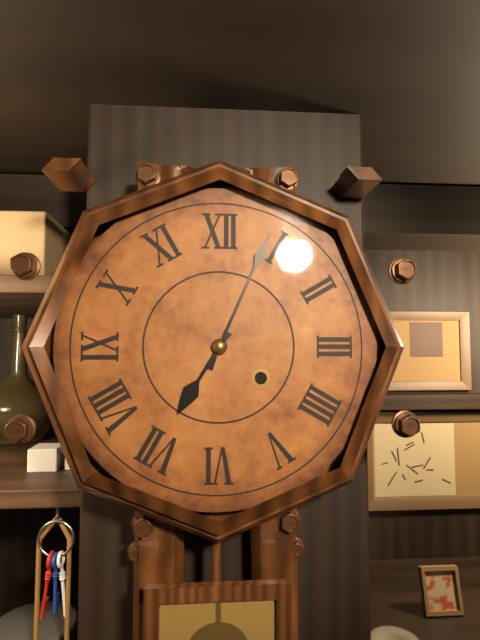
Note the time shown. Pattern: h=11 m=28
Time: h=7 m=4
